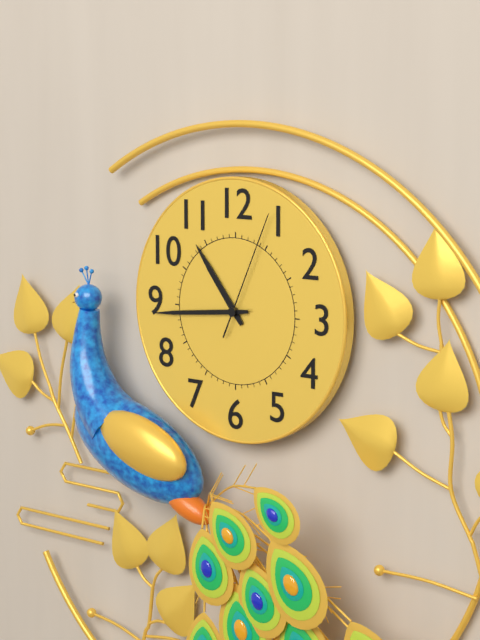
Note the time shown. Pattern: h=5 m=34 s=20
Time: h=10 m=44 s=4
